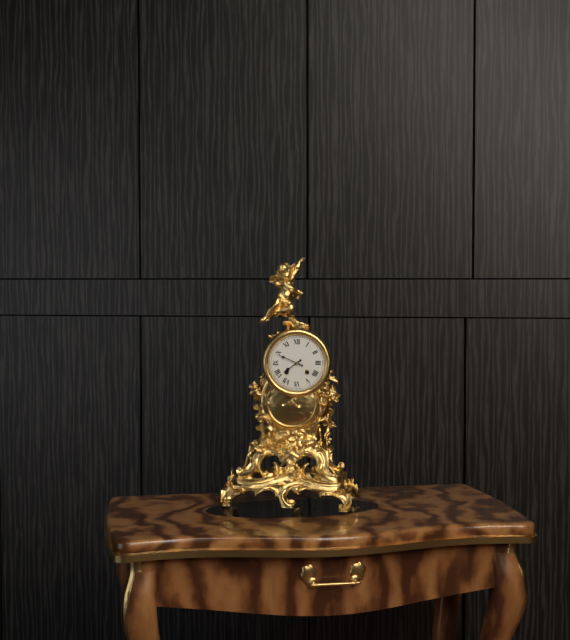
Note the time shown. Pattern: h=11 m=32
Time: h=7 m=49
